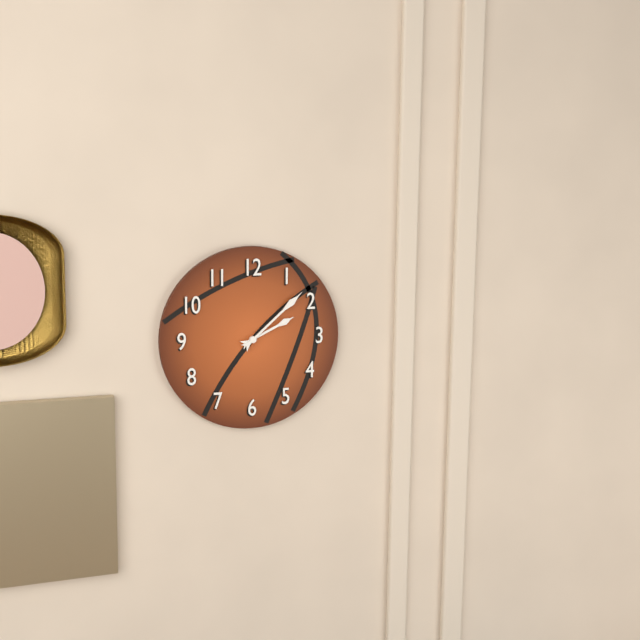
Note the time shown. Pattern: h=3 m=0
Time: h=2 m=8
